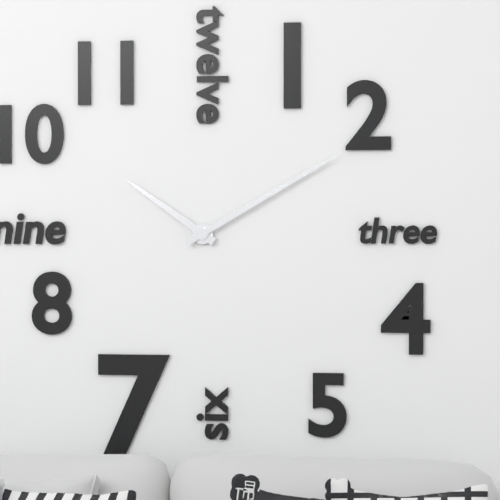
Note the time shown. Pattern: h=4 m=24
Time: h=10 m=10
